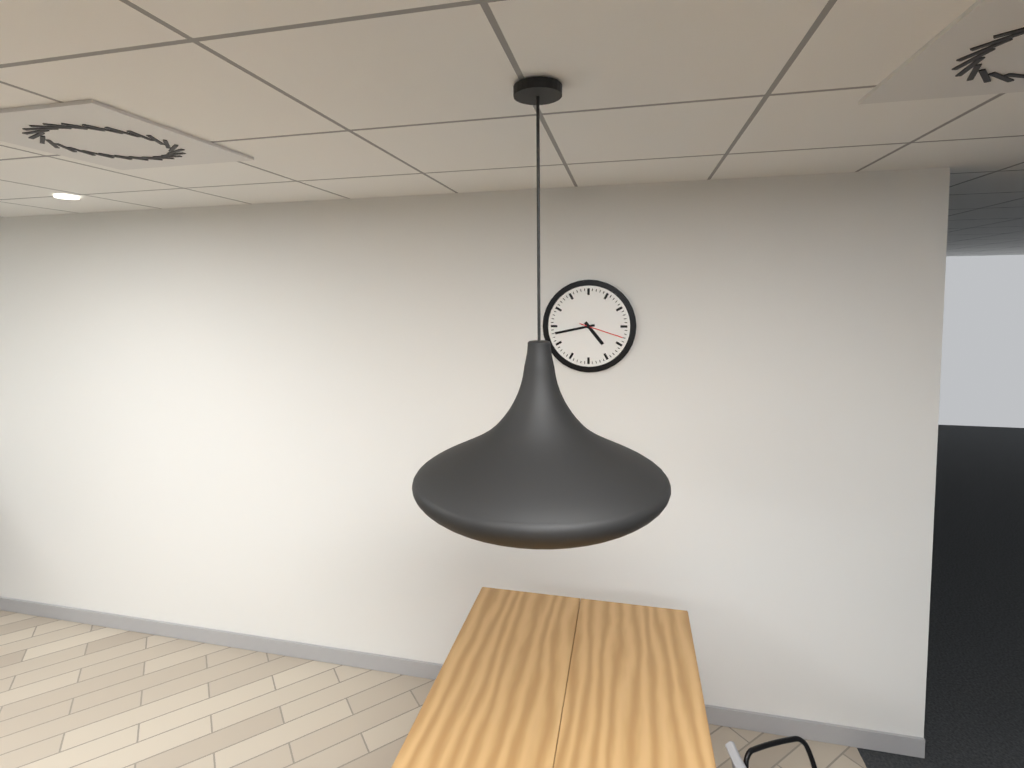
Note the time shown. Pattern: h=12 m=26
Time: h=4 m=43
